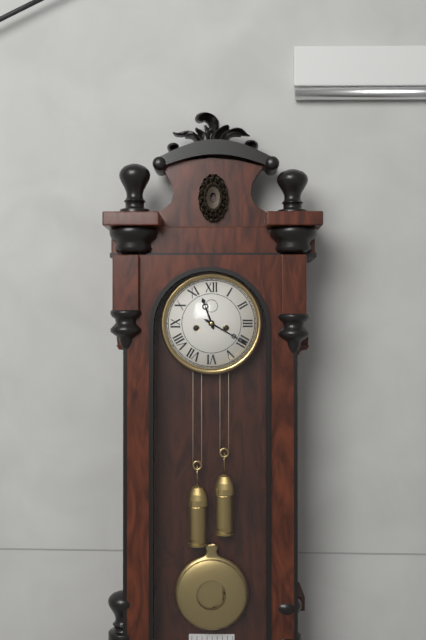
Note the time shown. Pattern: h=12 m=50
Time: h=11 m=20
